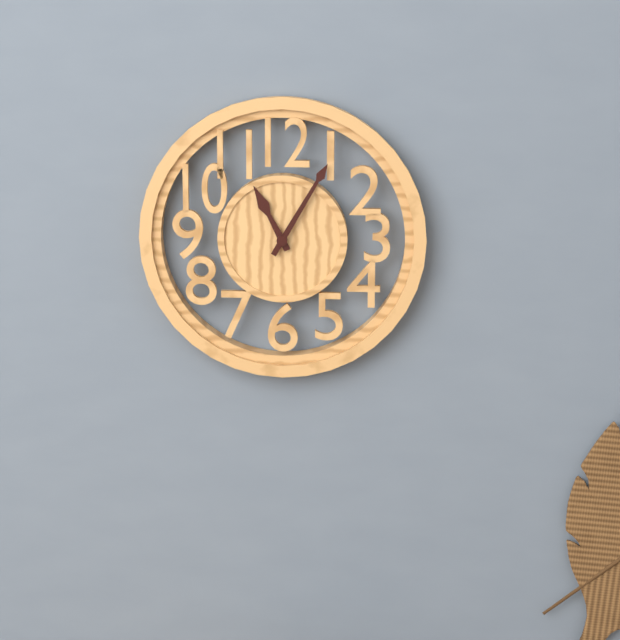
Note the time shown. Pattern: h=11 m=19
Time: h=11 m=5
